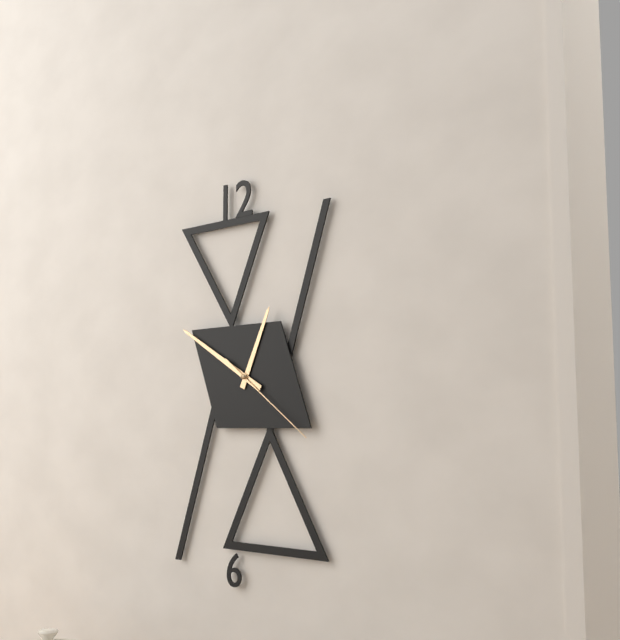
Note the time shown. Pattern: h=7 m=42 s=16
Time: h=12 m=50 s=21
